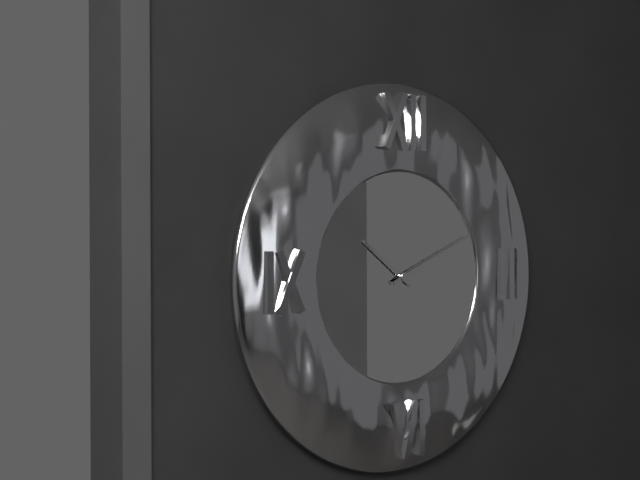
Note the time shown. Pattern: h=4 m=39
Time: h=10 m=11
